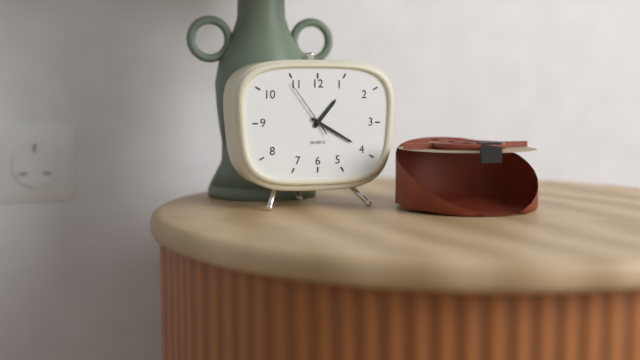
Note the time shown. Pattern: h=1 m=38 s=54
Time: h=1 m=20 s=54
